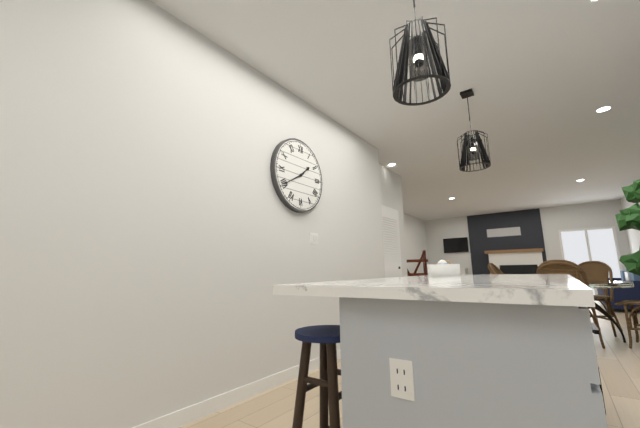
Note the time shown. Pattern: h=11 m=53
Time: h=1 m=40
